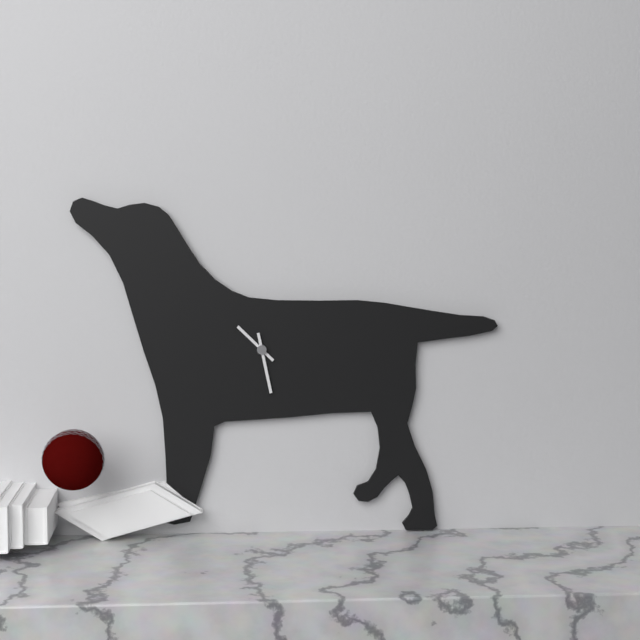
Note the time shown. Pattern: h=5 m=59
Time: h=10 m=28
